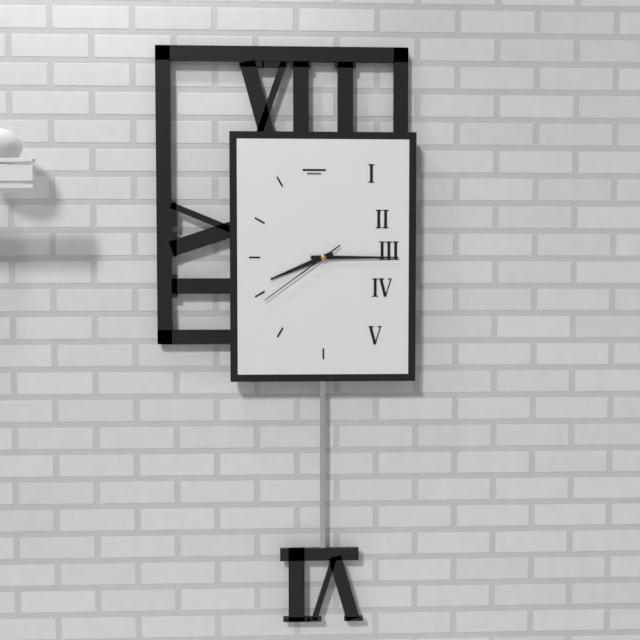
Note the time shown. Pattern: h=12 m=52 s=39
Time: h=8 m=15 s=39
